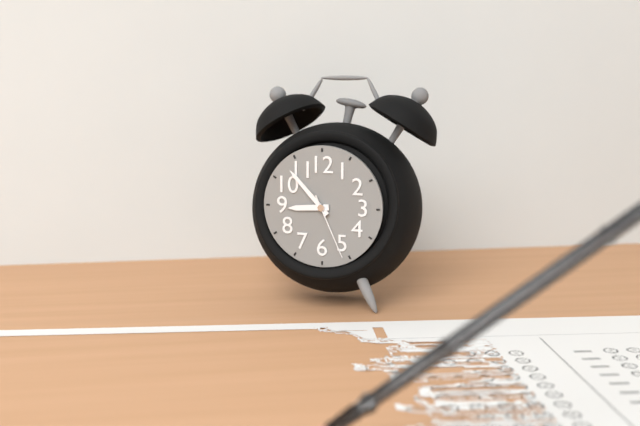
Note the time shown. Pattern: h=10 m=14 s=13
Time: h=8 m=53 s=26
